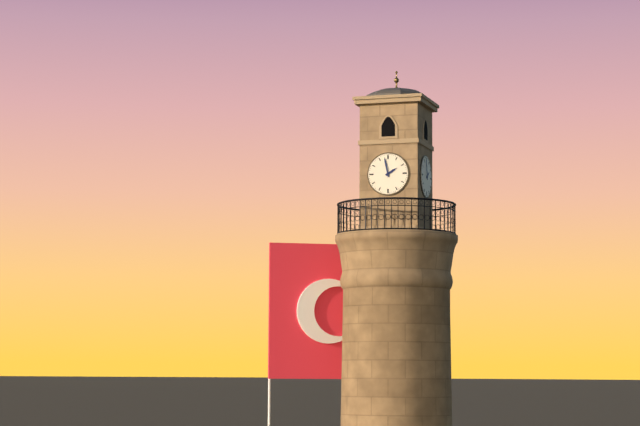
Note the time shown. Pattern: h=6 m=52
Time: h=1 m=58
